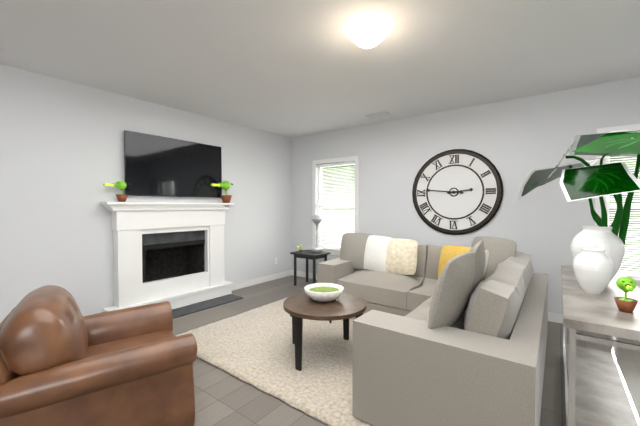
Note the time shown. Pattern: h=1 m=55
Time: h=2 m=46
